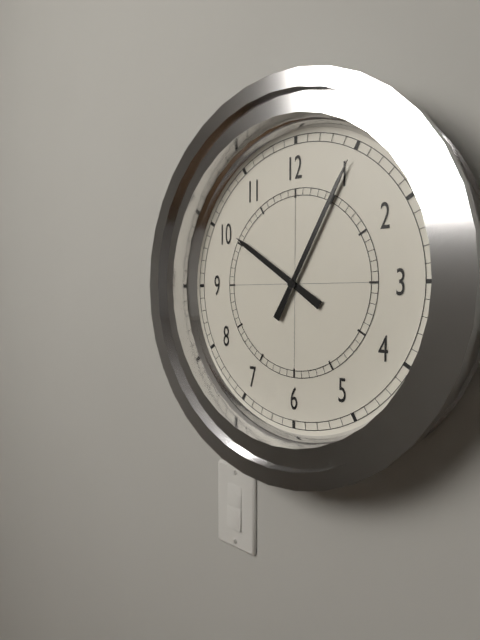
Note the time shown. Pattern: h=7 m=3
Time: h=10 m=5
